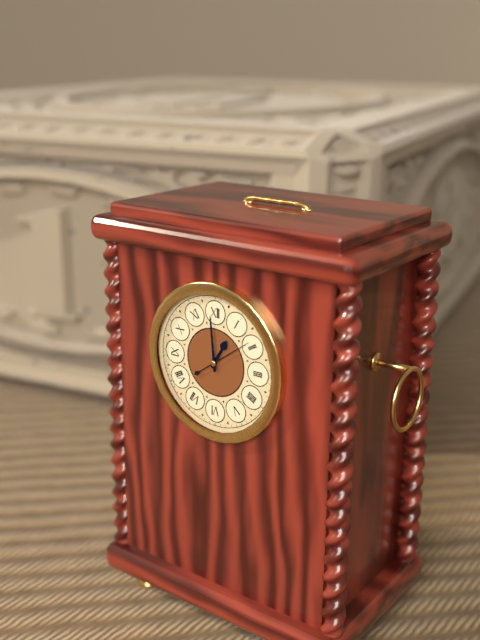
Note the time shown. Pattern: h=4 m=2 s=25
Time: h=12 m=59 s=9
